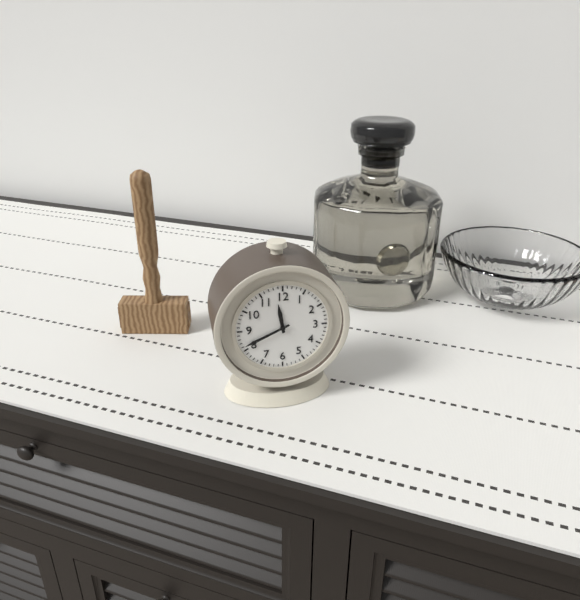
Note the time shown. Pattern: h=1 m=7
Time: h=11 m=41
